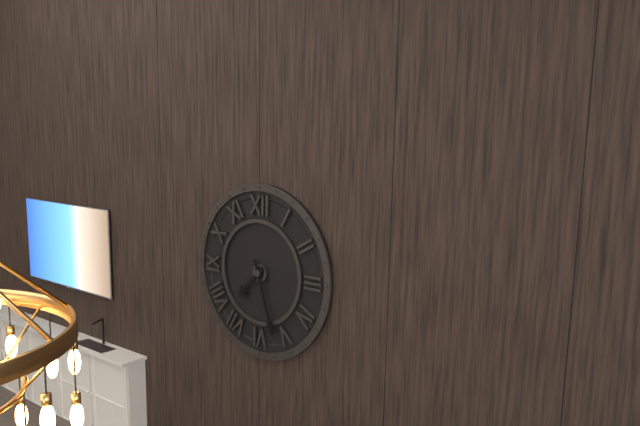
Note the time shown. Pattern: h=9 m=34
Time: h=7 m=27
